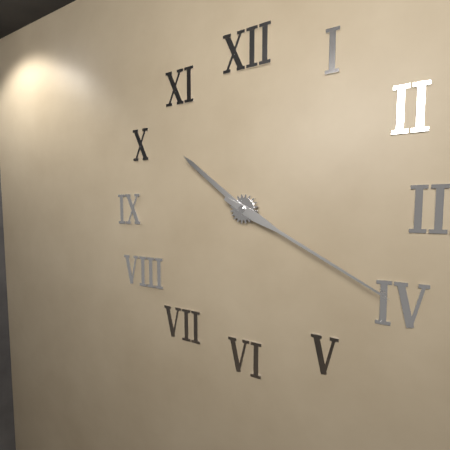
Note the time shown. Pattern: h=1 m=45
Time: h=10 m=20
